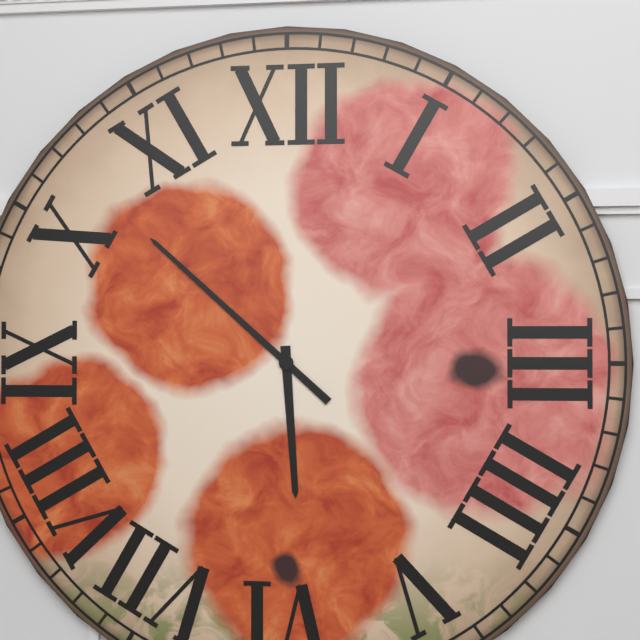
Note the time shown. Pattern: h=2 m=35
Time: h=5 m=52
